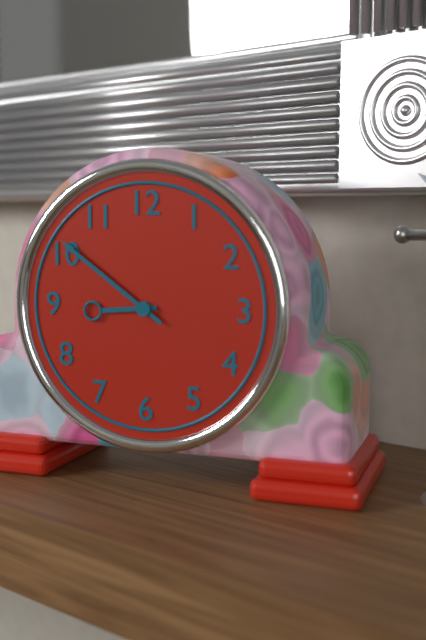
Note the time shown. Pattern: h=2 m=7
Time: h=8 m=51
